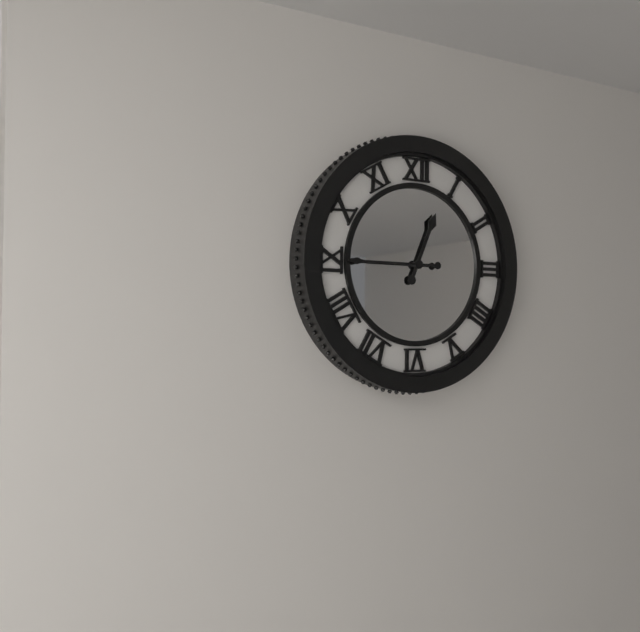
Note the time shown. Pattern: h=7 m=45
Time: h=12 m=45
